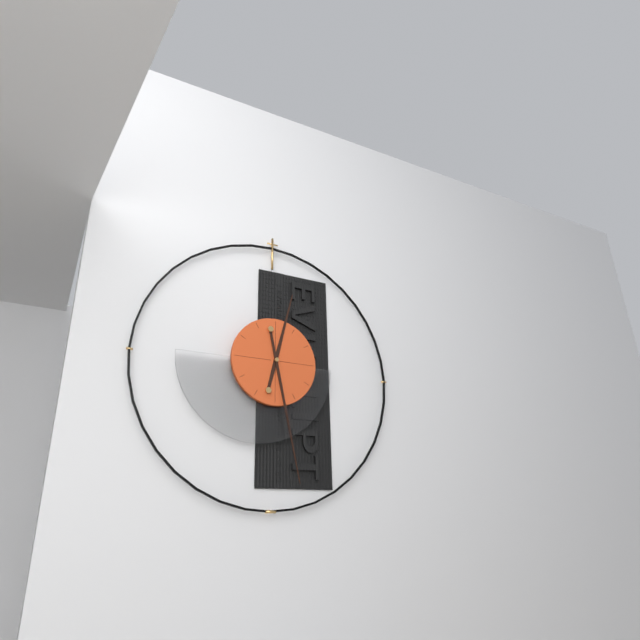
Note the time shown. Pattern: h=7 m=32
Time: h=12 m=28
